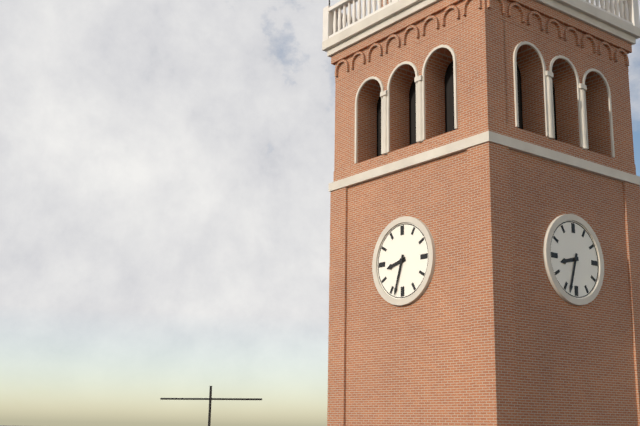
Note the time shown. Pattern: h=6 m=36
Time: h=8 m=33
